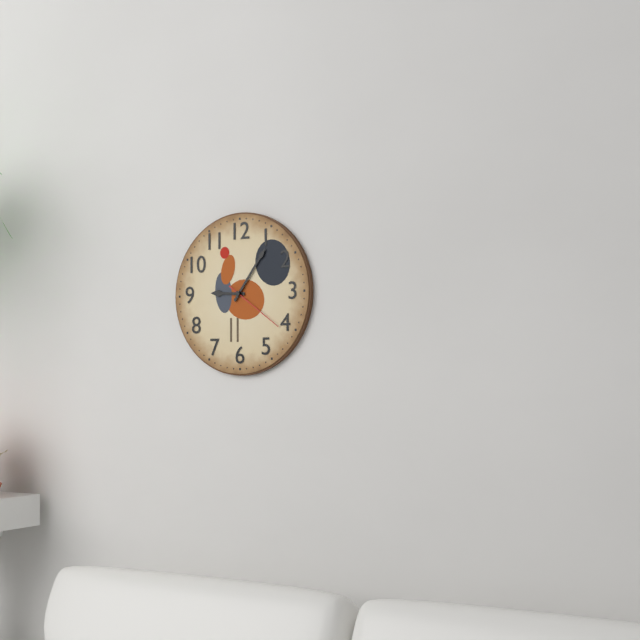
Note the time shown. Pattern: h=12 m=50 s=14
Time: h=9 m=6 s=21
